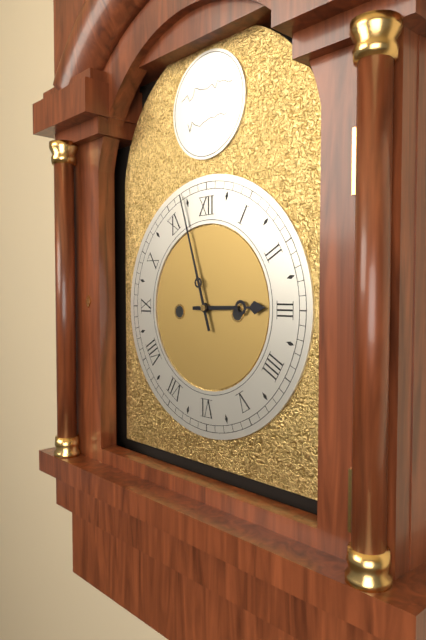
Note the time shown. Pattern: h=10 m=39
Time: h=2 m=57
